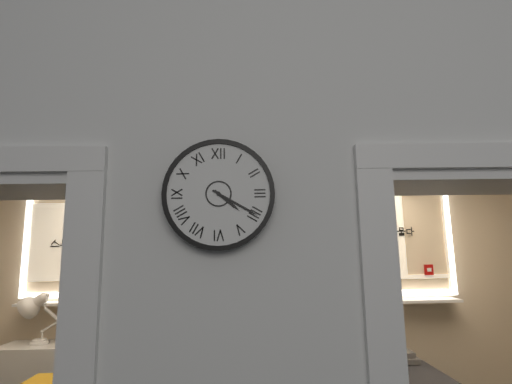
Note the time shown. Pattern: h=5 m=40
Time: h=4 m=20
